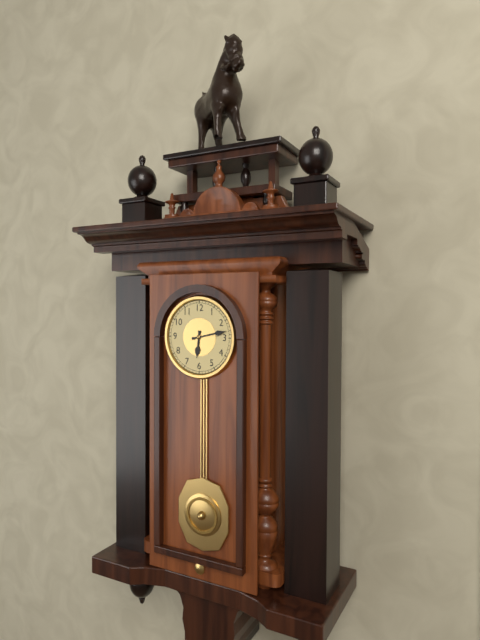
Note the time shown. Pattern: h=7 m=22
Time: h=6 m=13
